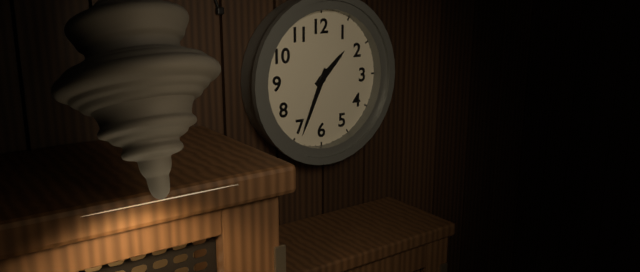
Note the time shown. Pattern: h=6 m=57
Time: h=1 m=34
